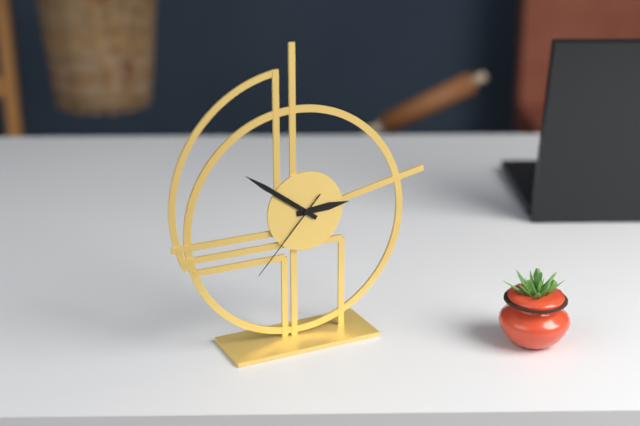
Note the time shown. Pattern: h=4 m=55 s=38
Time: h=2 m=51 s=37
